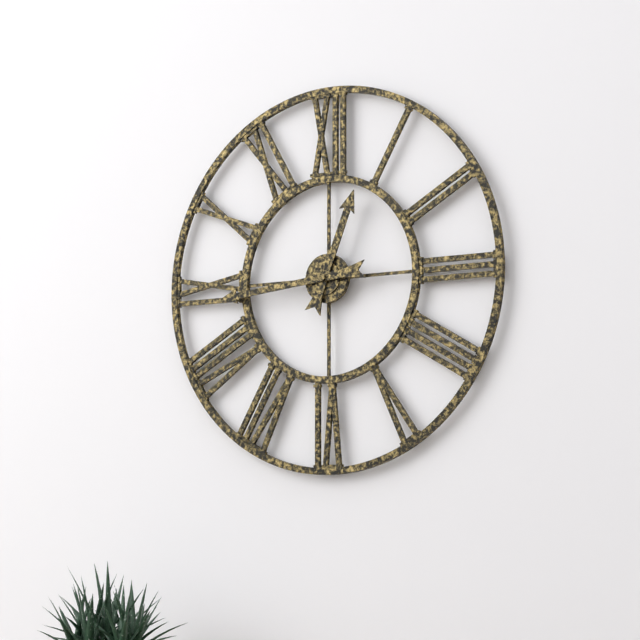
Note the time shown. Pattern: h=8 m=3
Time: h=12 m=44
